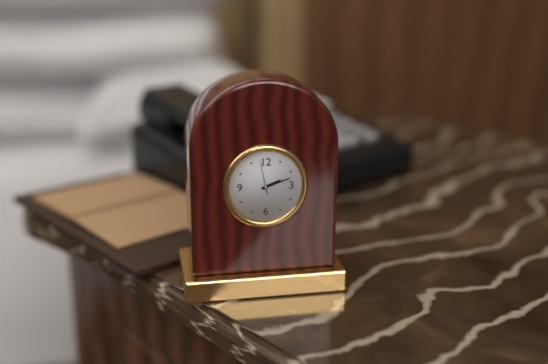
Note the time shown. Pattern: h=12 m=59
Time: h=2 m=12
